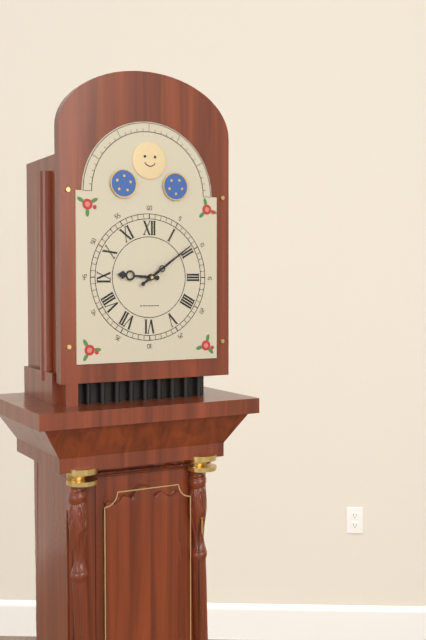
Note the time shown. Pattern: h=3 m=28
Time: h=9 m=9
